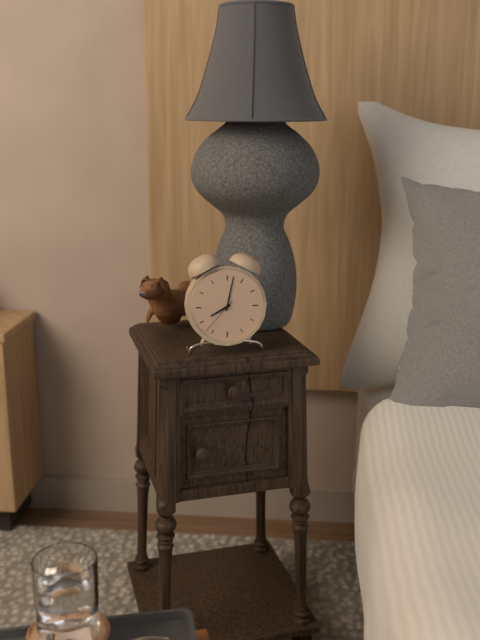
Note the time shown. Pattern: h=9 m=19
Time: h=8 m=2
